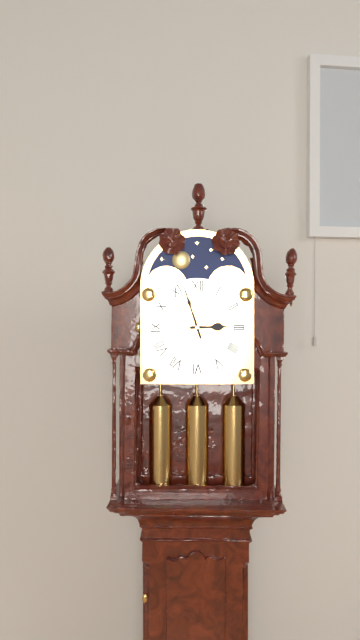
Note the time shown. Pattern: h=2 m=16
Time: h=2 m=57
